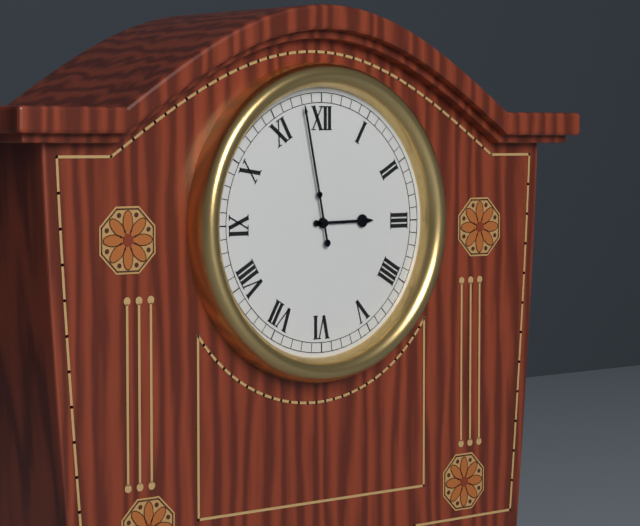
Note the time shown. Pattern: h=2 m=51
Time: h=2 m=58
